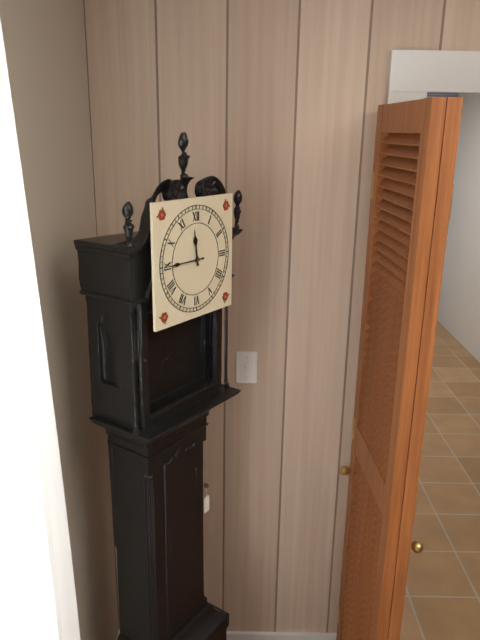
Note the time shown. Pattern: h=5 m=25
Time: h=11 m=45
